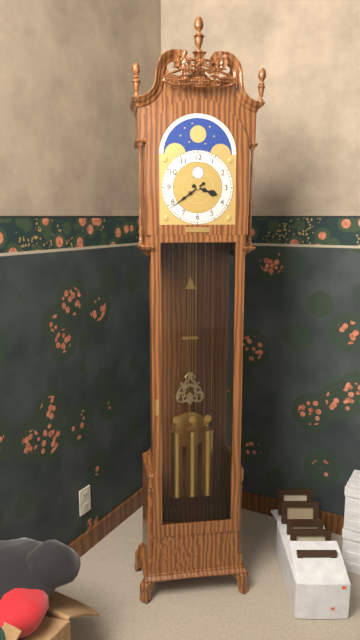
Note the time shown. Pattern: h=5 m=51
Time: h=3 m=39
